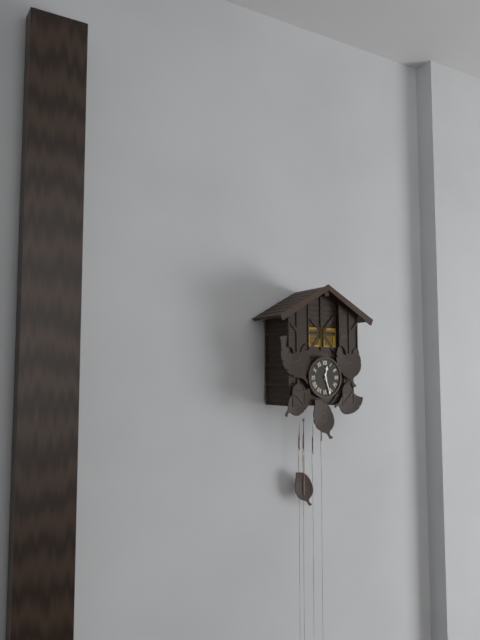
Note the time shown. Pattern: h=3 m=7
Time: h=12 m=27
